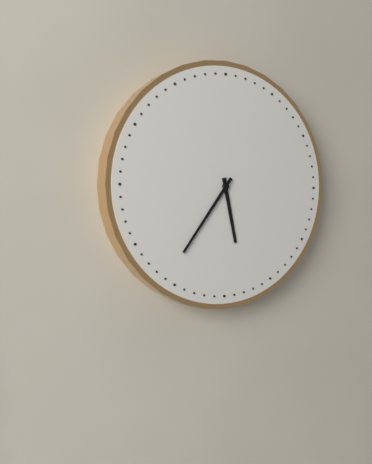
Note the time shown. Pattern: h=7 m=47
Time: h=5 m=36
